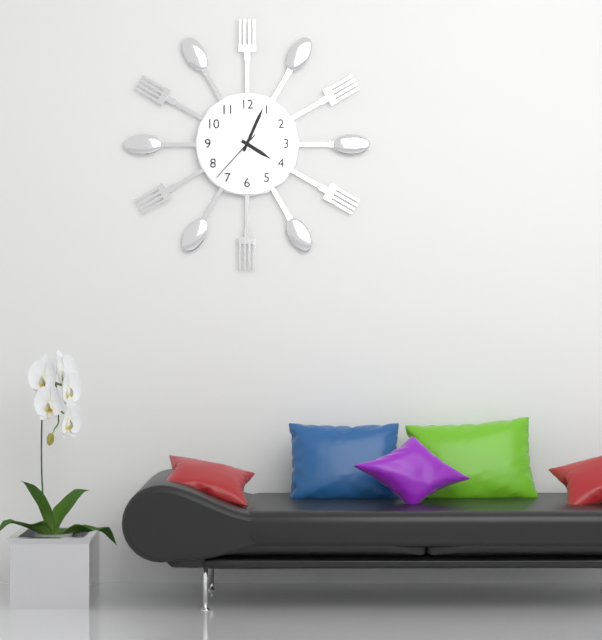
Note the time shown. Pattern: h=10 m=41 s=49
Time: h=4 m=4 s=37
